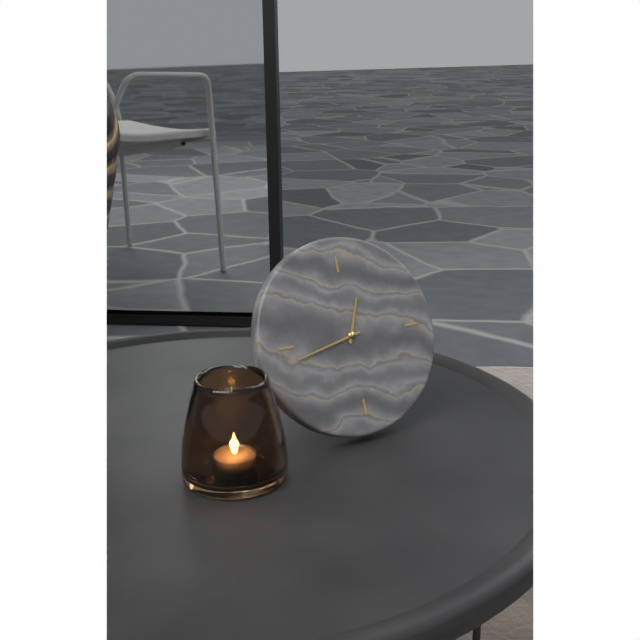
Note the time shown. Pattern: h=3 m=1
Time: h=12 m=43
